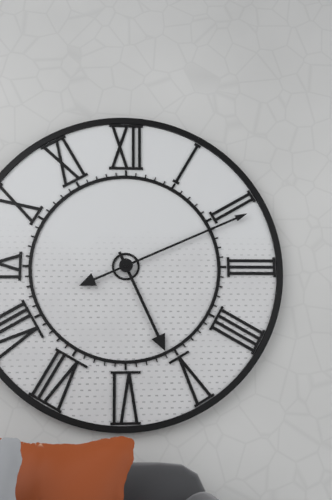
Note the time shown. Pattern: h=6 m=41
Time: h=5 m=11
